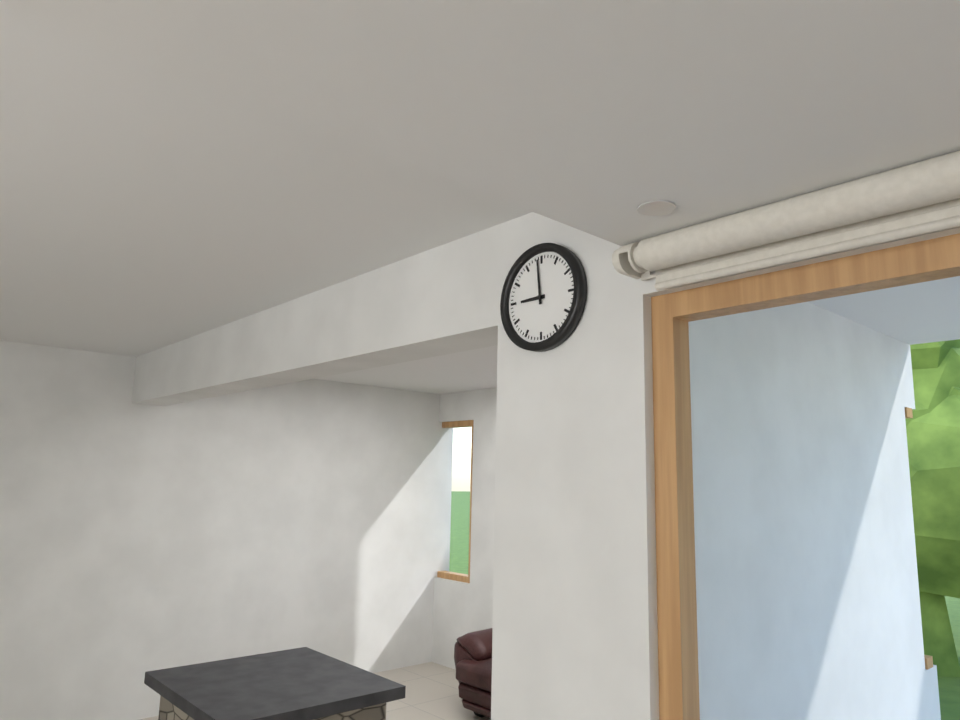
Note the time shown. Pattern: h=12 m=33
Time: h=8 m=59
